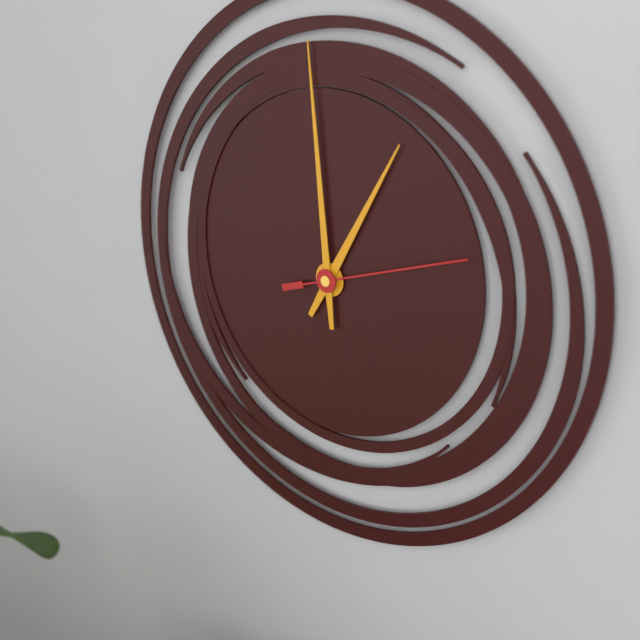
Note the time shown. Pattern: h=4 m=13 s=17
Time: h=12 m=59 s=12
